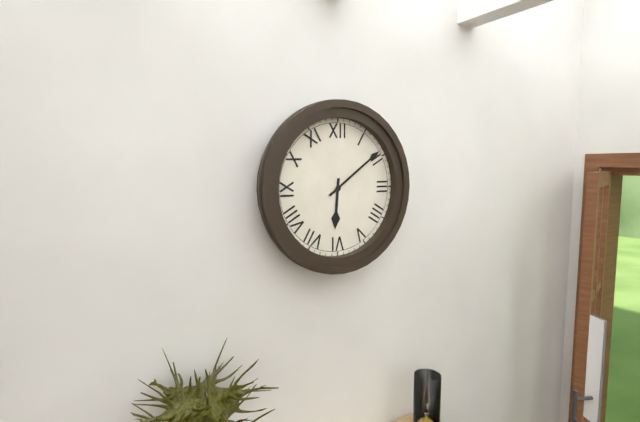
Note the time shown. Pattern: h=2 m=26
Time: h=6 m=9
